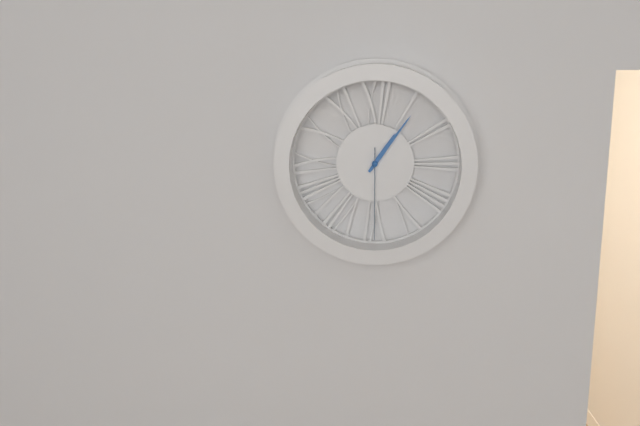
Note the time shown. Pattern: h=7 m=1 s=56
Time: h=1 m=6 s=30
